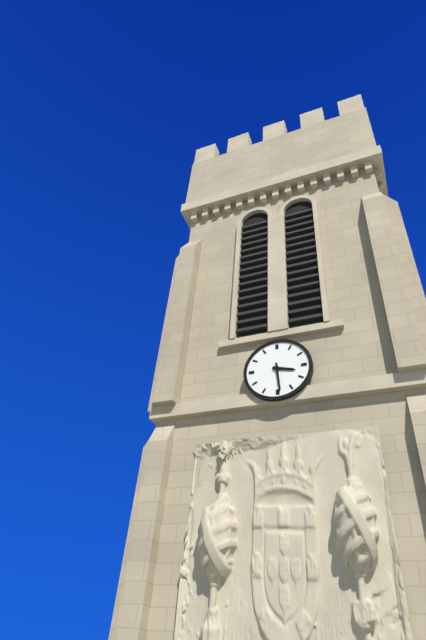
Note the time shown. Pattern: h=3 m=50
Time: h=3 m=29
